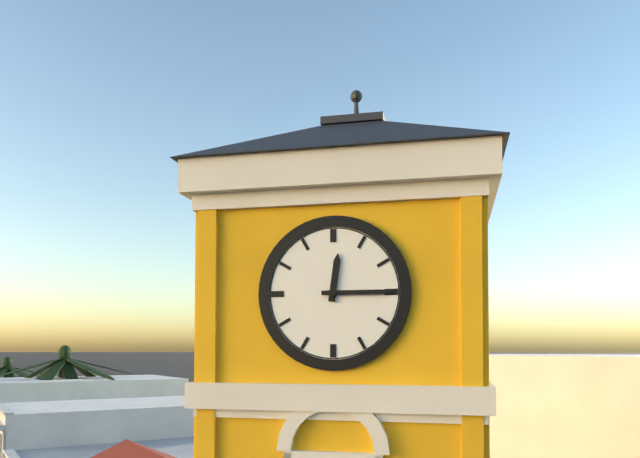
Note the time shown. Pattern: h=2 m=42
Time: h=12 m=15
